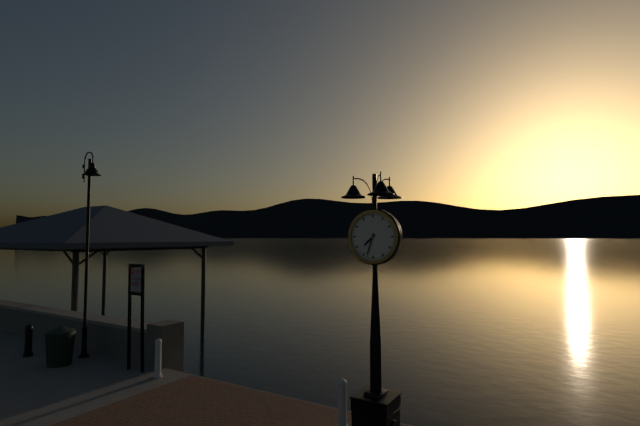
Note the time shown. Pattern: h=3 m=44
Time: h=7 m=33
